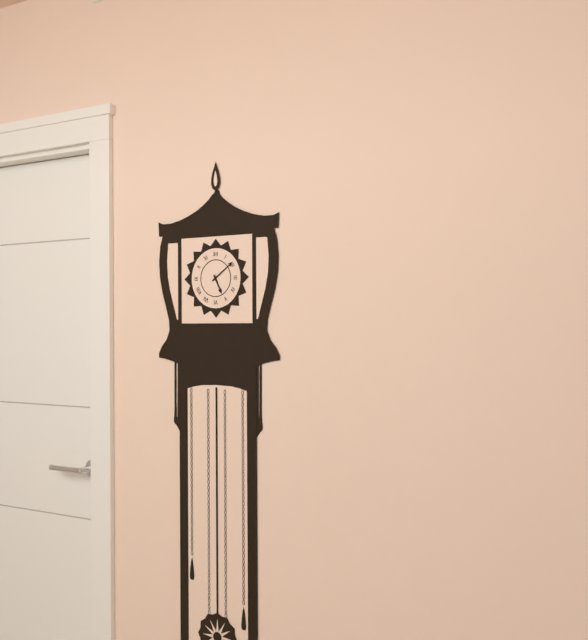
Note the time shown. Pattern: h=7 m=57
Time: h=5 m=9
